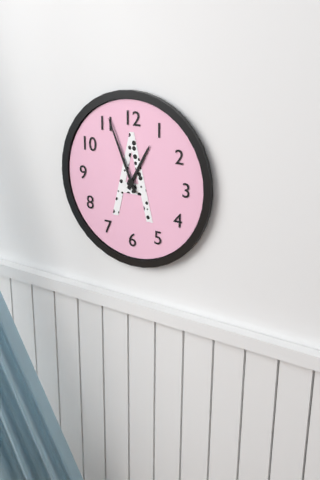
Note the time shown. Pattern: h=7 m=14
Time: h=12 m=56
